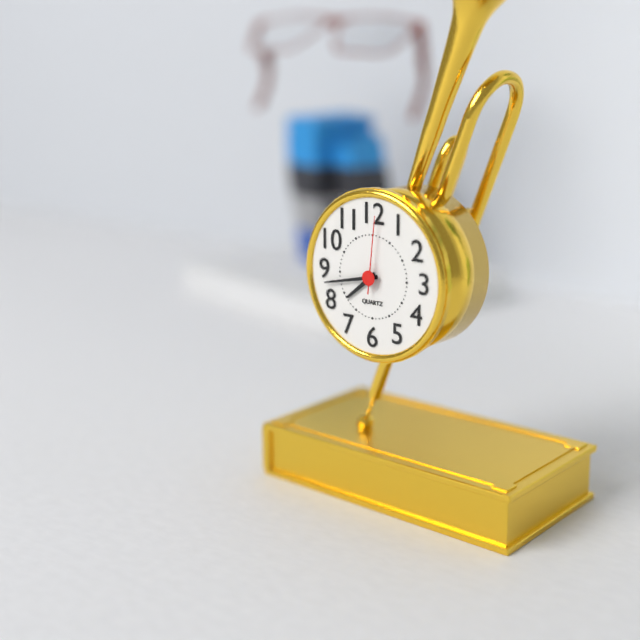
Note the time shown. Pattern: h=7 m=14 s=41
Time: h=7 m=43 s=1
